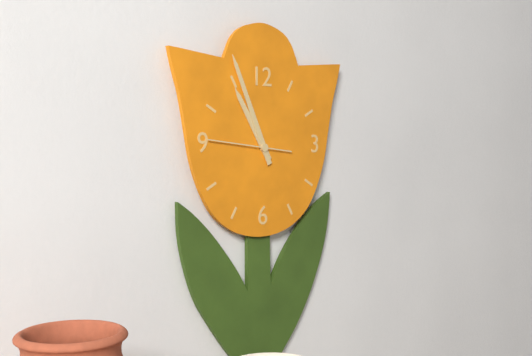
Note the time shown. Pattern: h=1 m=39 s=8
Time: h=10 m=56 s=46
